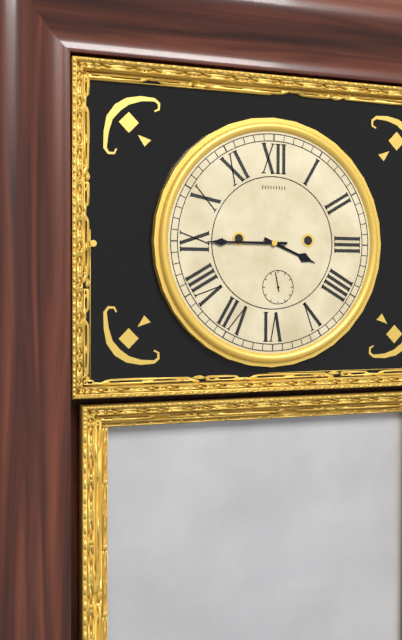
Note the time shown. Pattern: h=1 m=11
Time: h=3 m=45
